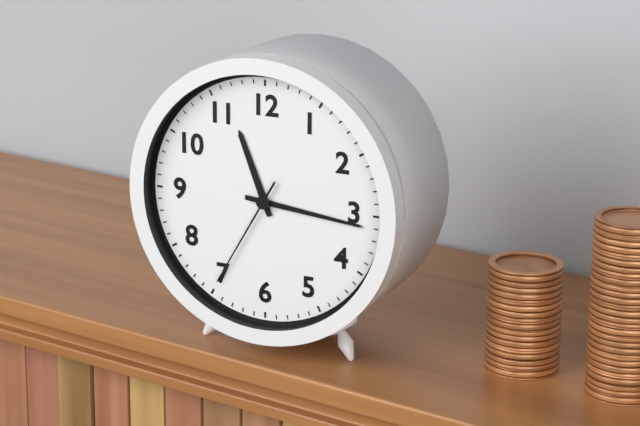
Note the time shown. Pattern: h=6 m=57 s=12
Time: h=11 m=16 s=35
